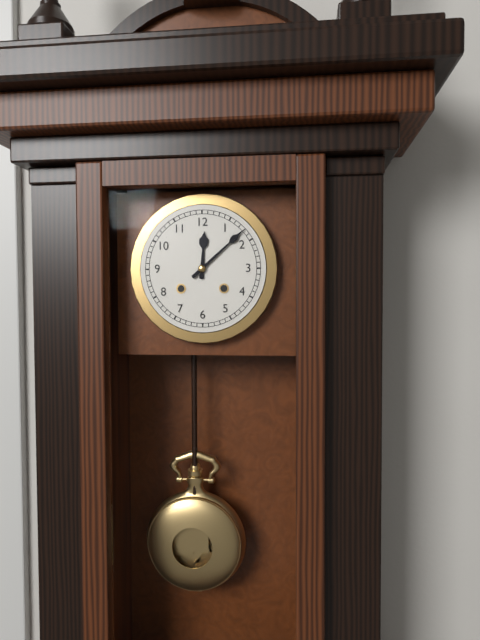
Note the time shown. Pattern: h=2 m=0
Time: h=12 m=8
